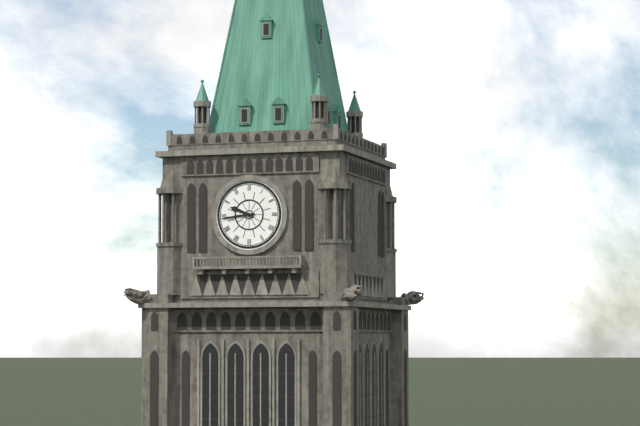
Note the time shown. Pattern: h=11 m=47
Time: h=9 m=44
